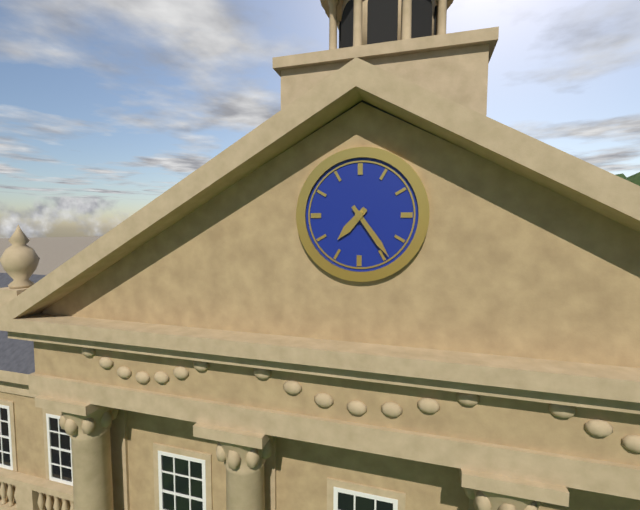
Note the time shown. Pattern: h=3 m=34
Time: h=7 m=24
